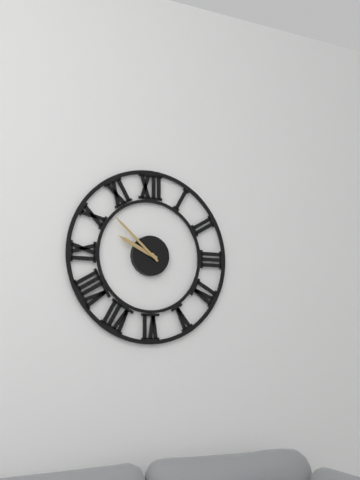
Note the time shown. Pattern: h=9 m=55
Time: h=9 m=52
